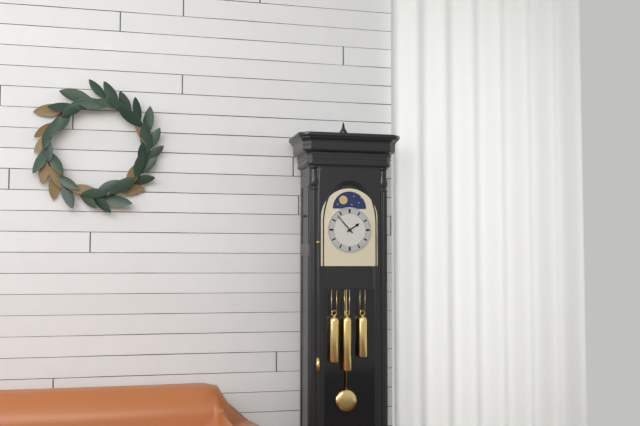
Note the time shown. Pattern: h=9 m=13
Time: h=1 m=53
